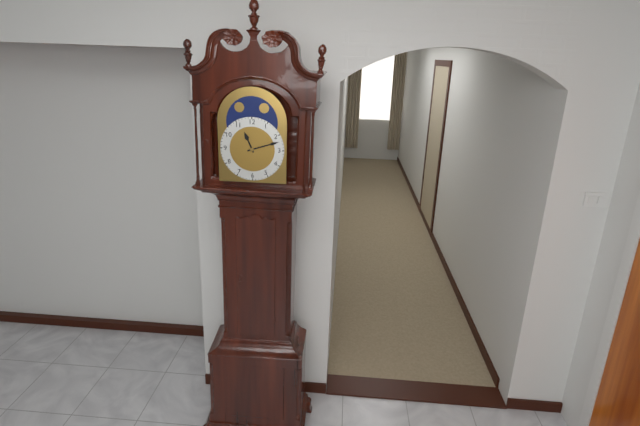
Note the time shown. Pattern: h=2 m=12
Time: h=11 m=12
